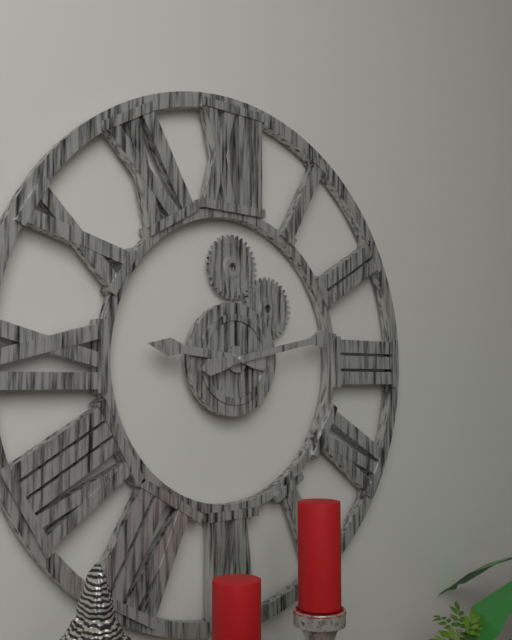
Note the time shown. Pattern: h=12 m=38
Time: h=9 m=13
